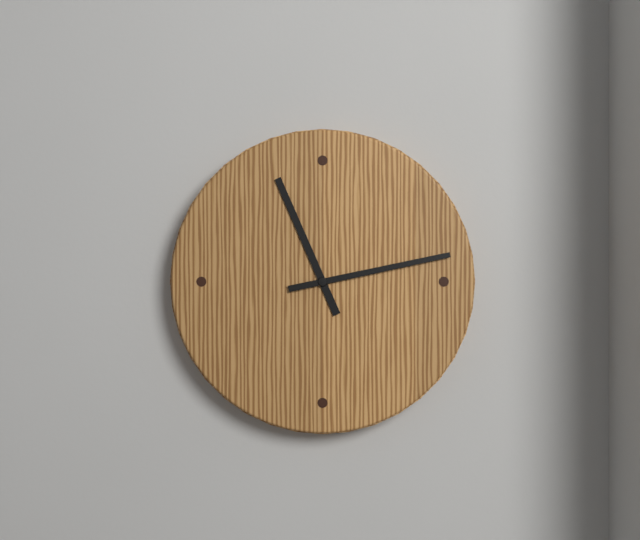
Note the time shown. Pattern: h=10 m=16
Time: h=11 m=13
